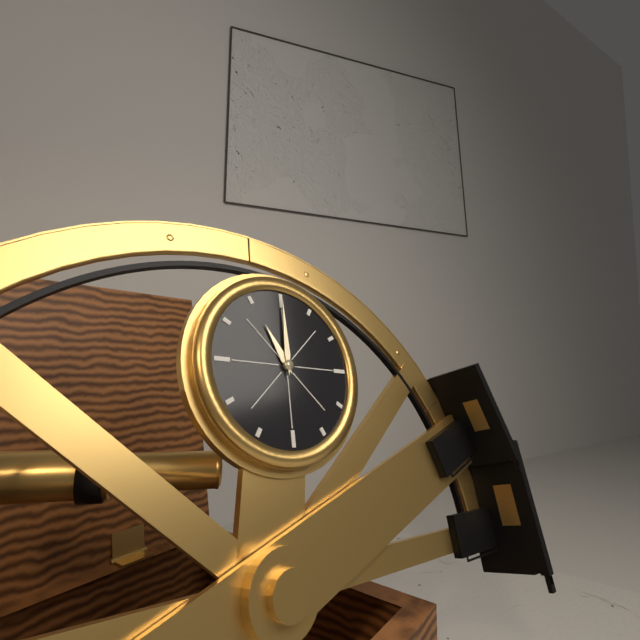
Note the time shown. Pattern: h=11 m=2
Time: h=11 m=0
